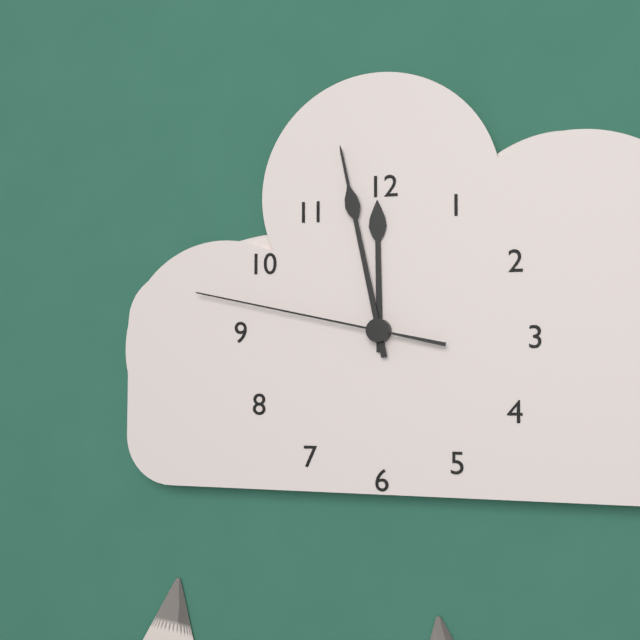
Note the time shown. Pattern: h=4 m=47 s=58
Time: h=11 m=58 s=47
